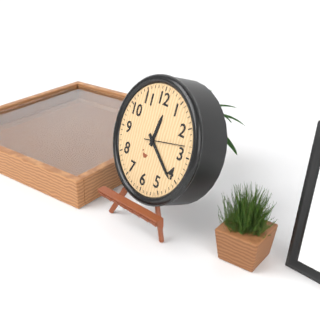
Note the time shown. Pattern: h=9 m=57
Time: h=12 m=21
